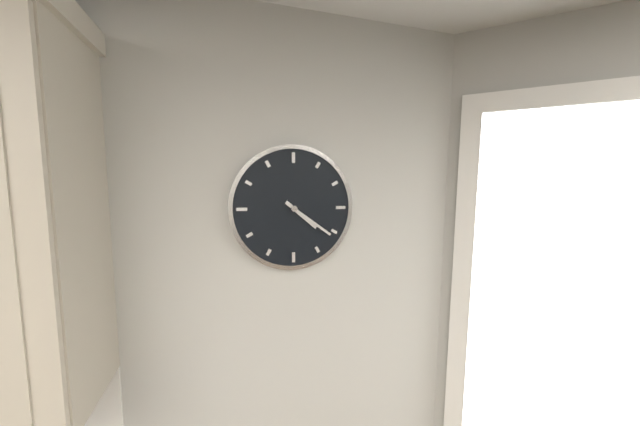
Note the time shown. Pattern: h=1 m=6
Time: h=4 m=21
